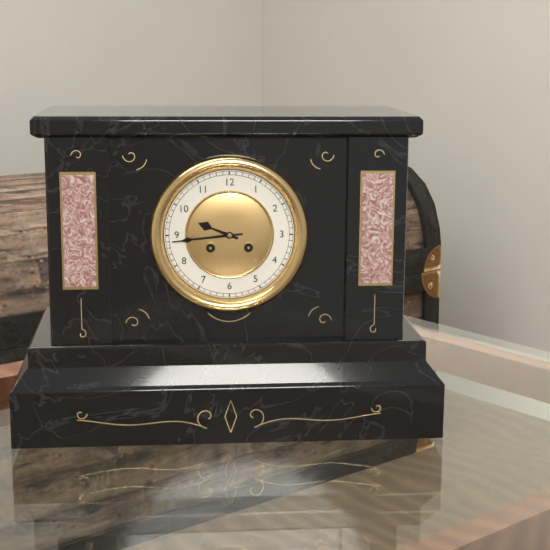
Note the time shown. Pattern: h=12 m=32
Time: h=9 m=44
